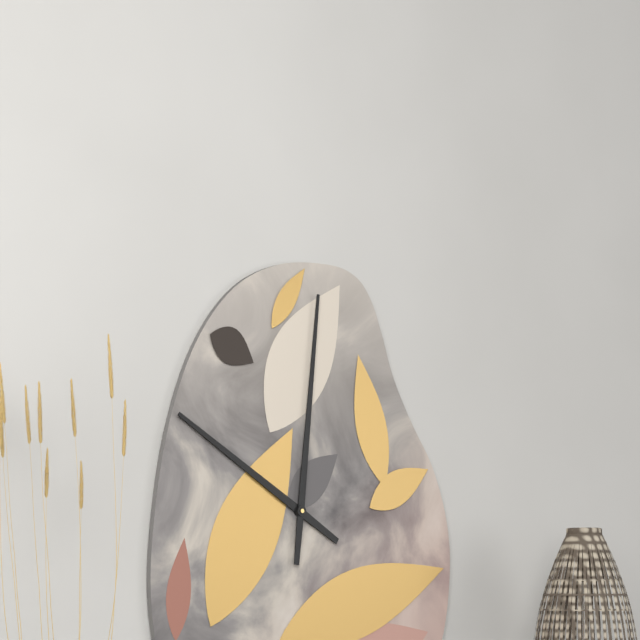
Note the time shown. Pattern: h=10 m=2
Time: h=10 m=1
